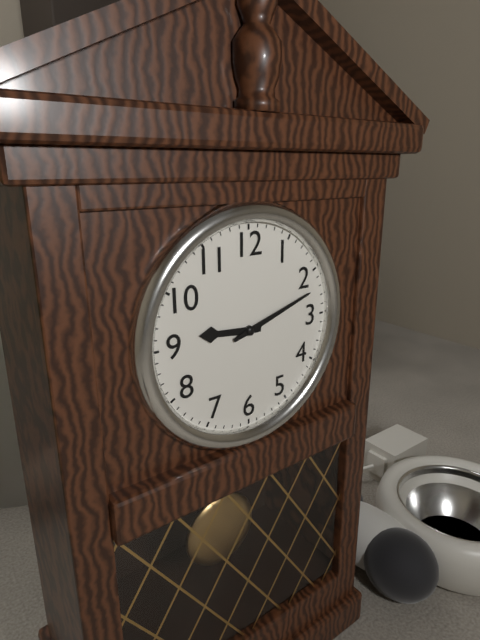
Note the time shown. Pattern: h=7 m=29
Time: h=9 m=12
